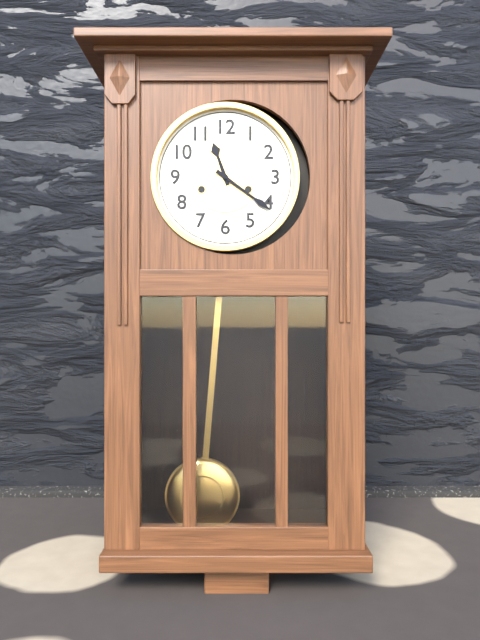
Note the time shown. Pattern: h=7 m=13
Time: h=11 m=21
